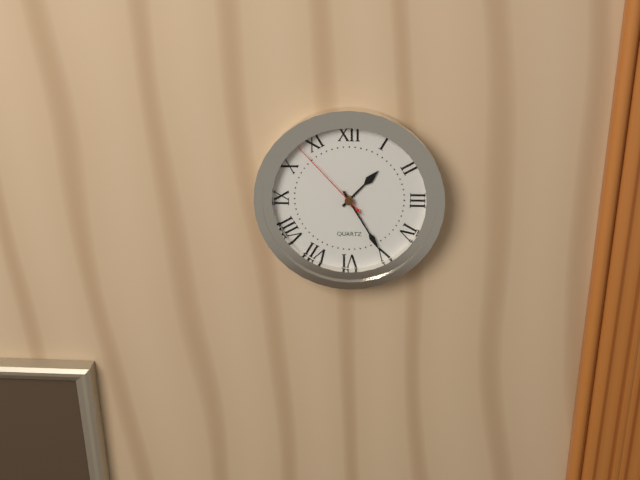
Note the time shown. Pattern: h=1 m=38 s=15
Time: h=1 m=25 s=53
